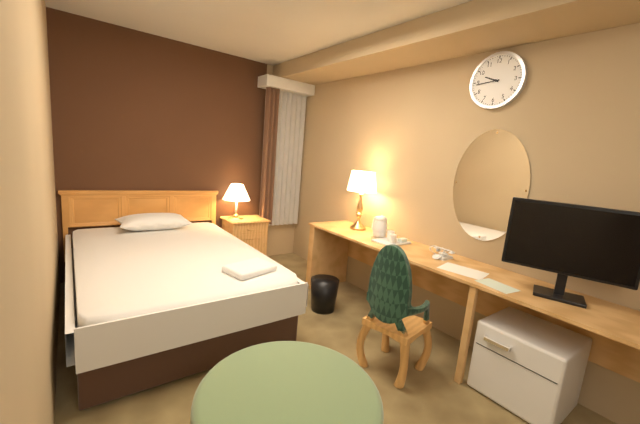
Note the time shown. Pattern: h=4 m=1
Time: h=9 m=44
